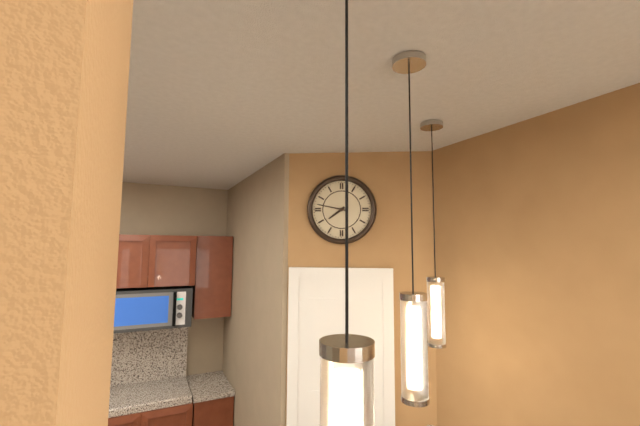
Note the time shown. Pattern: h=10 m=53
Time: h=7 m=47
